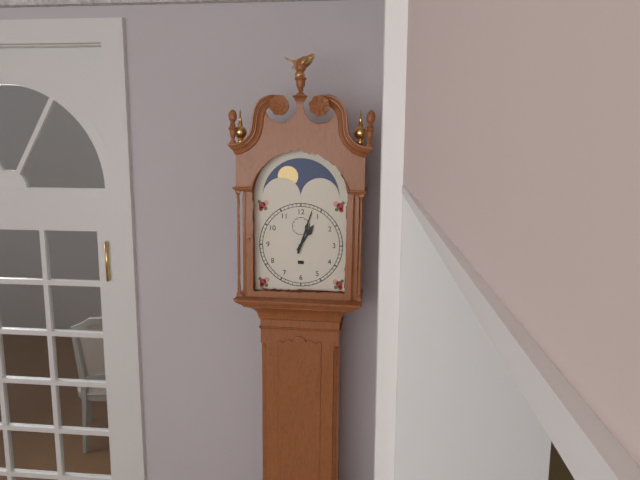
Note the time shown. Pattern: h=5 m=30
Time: h=1 m=3
